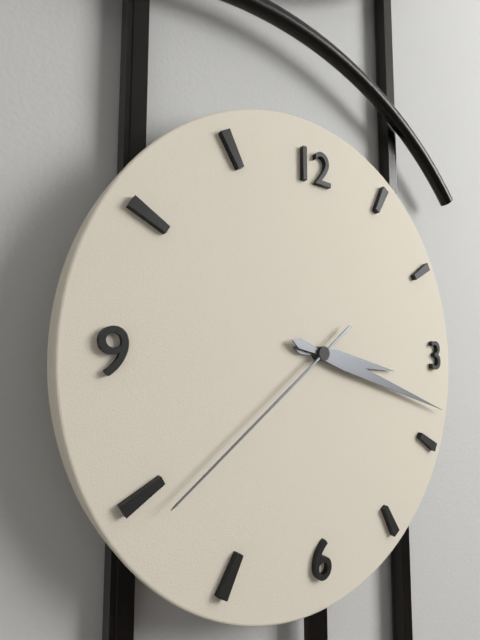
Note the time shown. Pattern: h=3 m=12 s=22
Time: h=3 m=18 s=39
